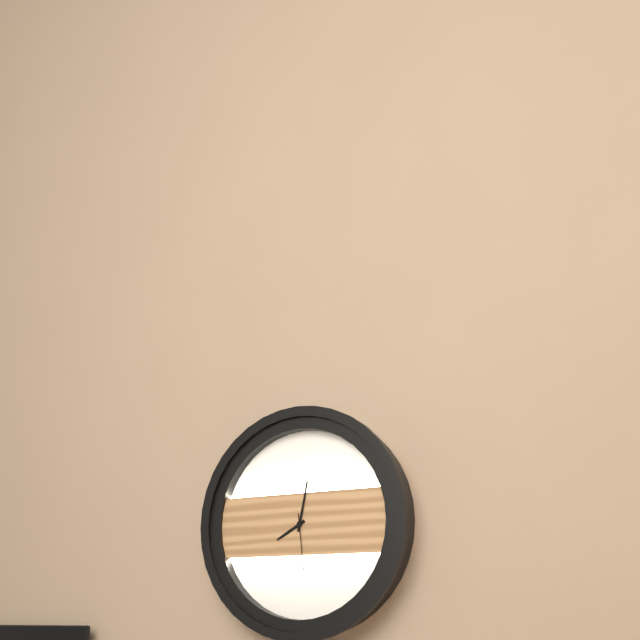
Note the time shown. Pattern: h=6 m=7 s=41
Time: h=8 m=2 s=29
